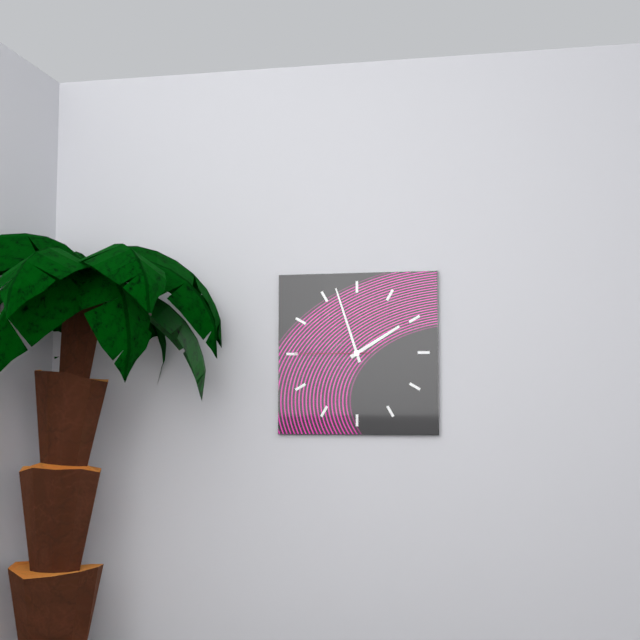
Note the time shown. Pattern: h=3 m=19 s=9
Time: h=1 m=57 s=45
